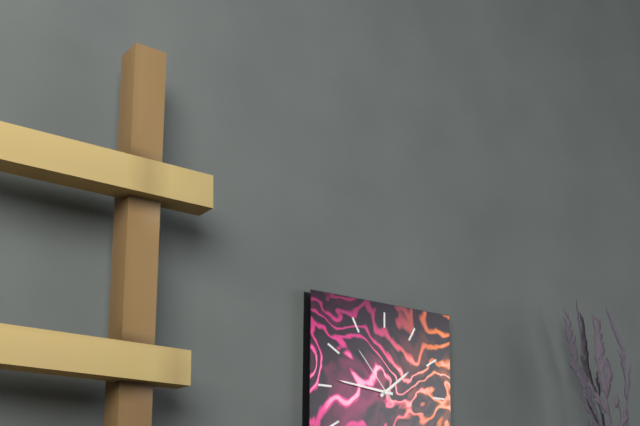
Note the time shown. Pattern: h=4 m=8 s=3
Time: h=1 m=46 s=53
